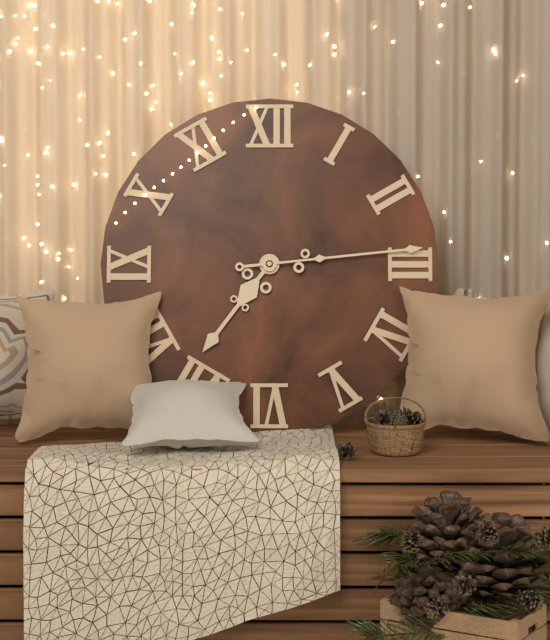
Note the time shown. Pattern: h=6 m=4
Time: h=7 m=14
